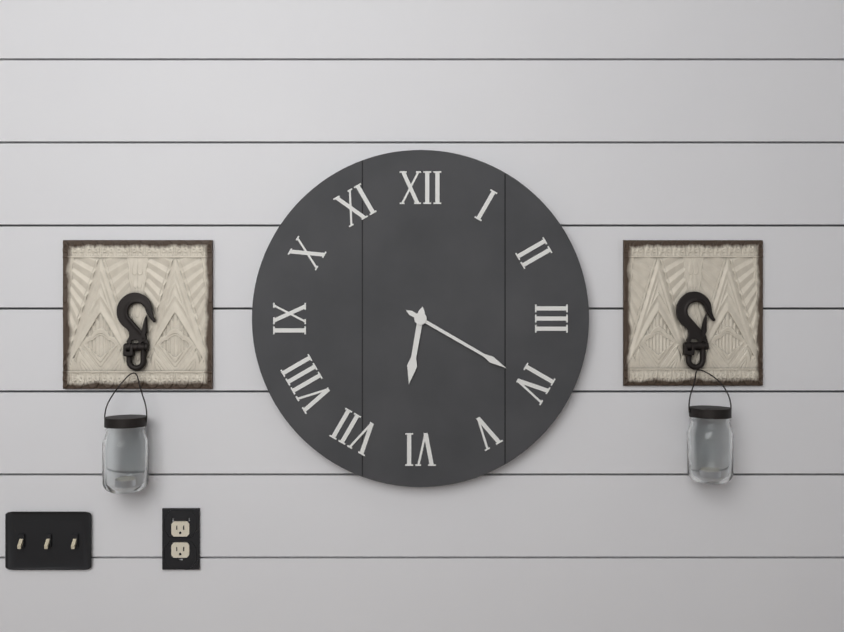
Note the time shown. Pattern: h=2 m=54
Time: h=6 m=20
